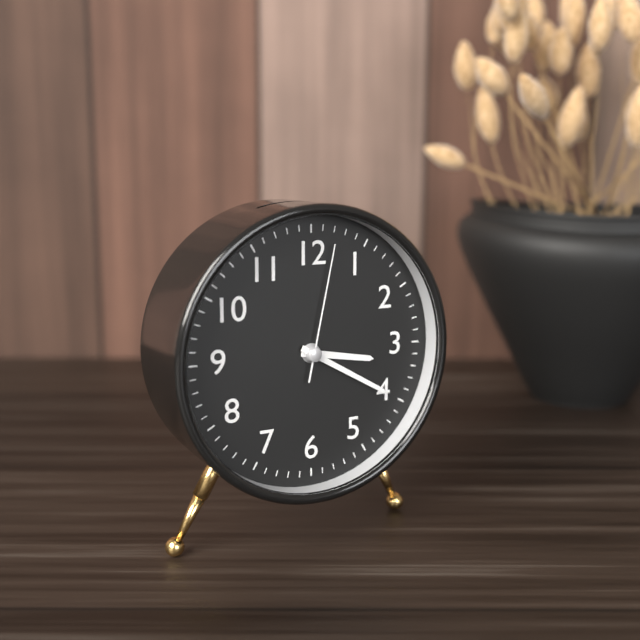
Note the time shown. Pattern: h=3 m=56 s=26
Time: h=3 m=20 s=2
